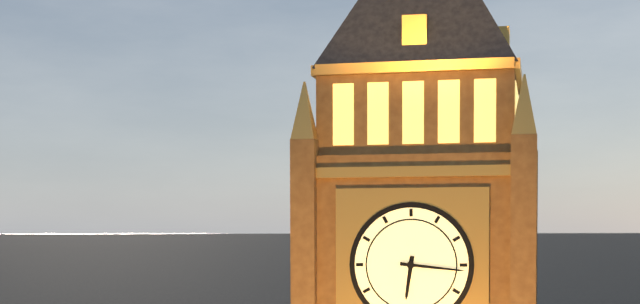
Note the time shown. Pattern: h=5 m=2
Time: h=6 m=16
